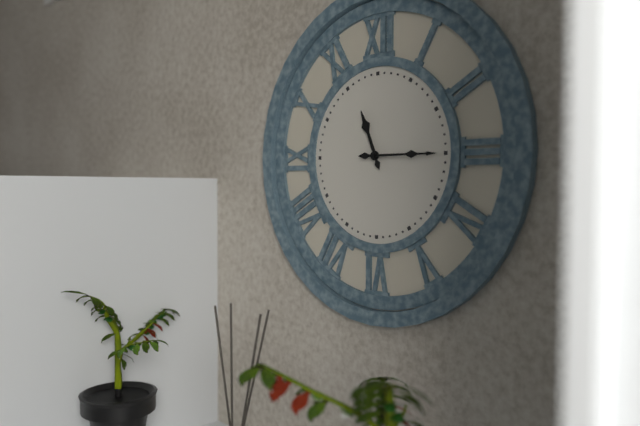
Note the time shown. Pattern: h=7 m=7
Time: h=11 m=15
